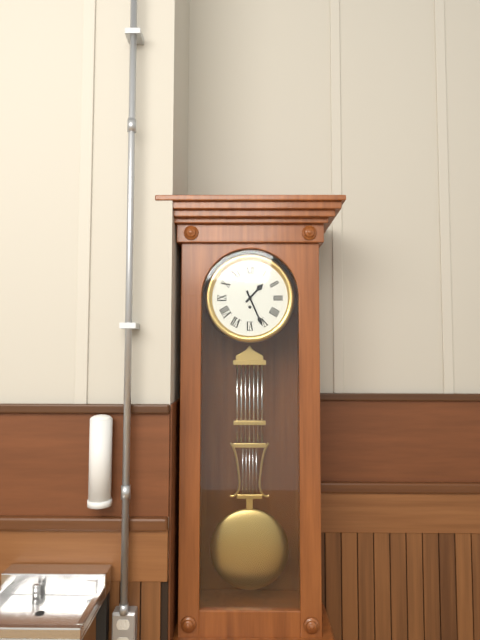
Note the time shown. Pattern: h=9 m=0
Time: h=1 m=26
